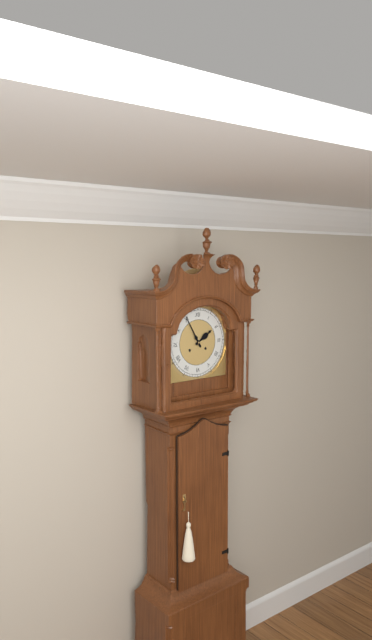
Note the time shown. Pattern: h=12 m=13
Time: h=1 m=55
